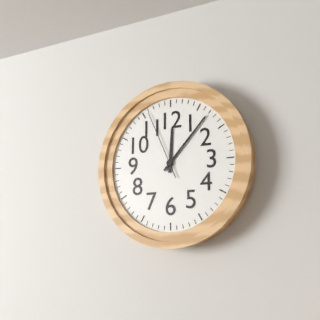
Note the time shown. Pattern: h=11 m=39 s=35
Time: h=12 m=7 s=56
